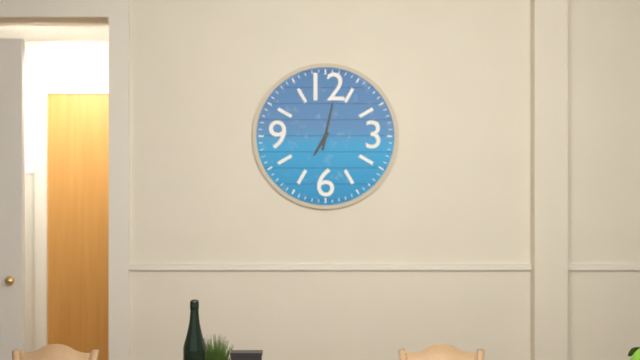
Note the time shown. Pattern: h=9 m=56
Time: h=7 m=2
